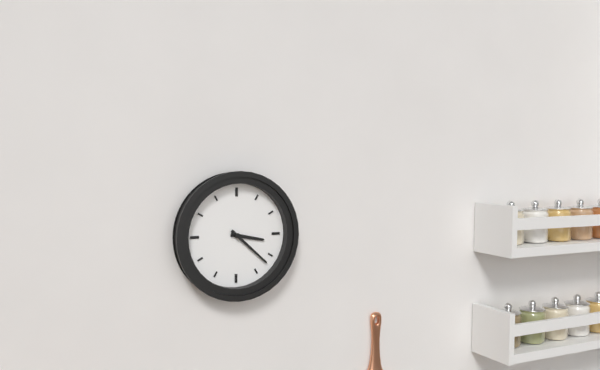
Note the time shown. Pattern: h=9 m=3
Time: h=3 m=22
